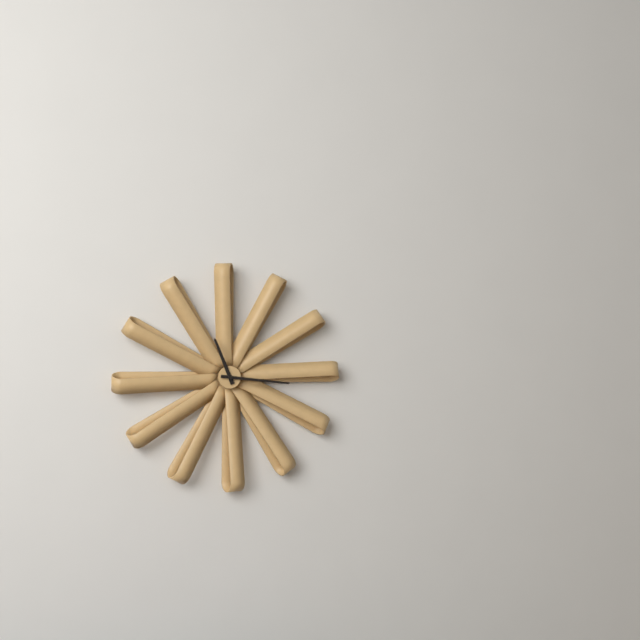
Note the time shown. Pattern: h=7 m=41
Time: h=11 m=16
